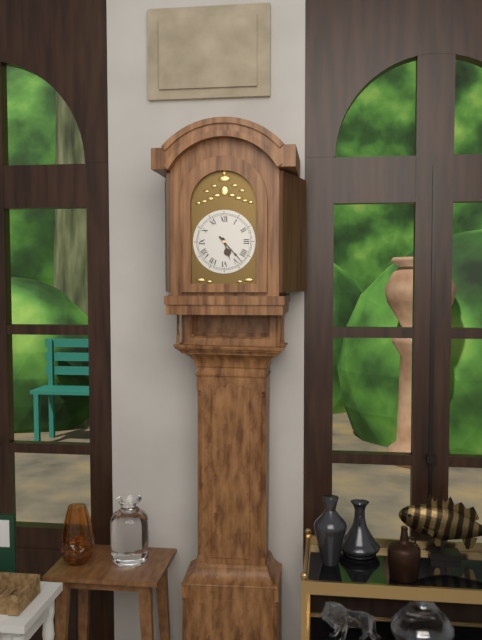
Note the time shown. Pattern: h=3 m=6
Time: h=5 m=23
